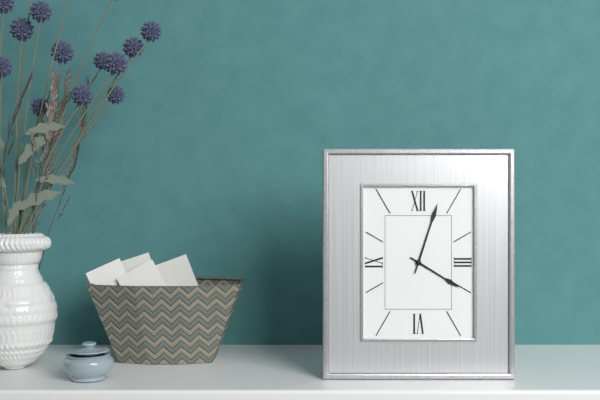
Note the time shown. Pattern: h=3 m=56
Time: h=4 m=3
